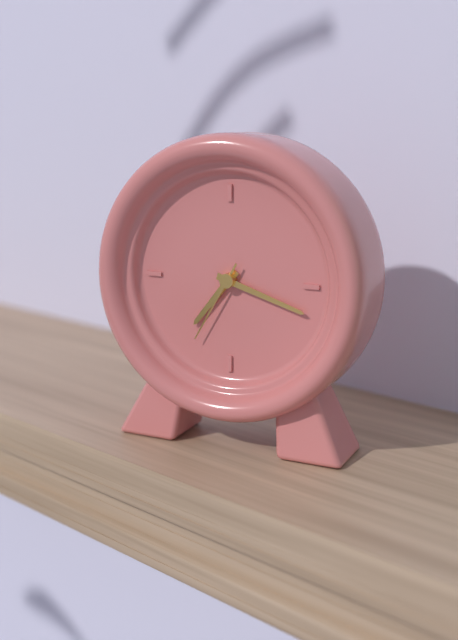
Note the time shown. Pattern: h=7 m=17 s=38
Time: h=7 m=18 s=35
